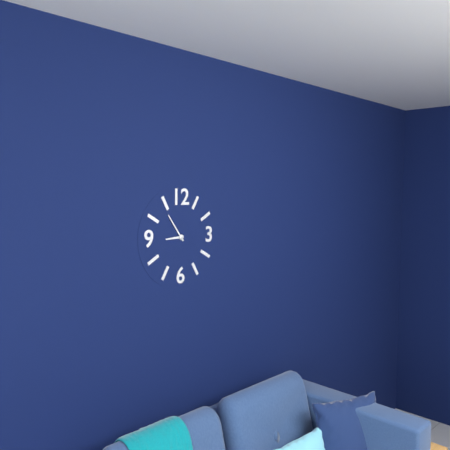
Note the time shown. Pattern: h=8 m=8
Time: h=8 m=54
